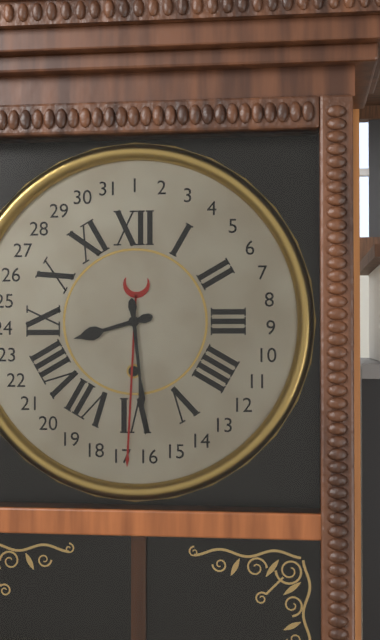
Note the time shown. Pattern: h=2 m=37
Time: h=8 m=29
